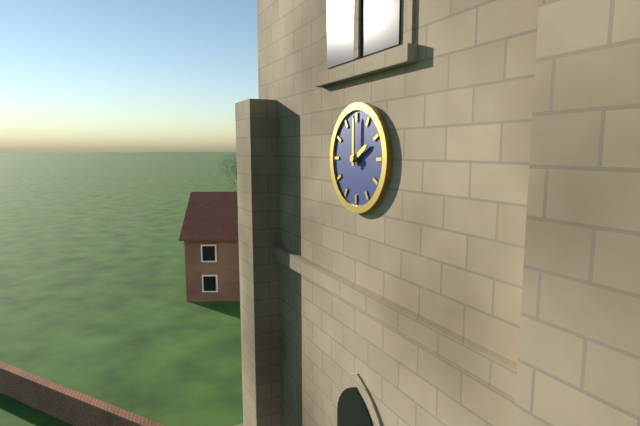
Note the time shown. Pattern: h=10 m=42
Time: h=2 m=0
